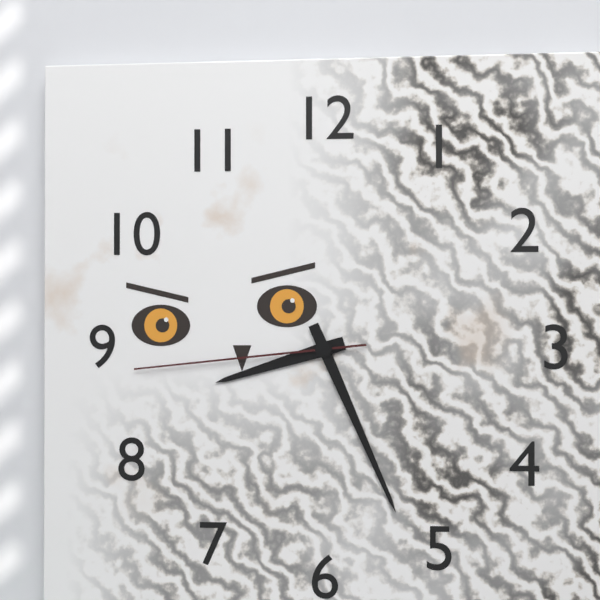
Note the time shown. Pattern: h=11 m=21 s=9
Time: h=8 m=26 s=44
